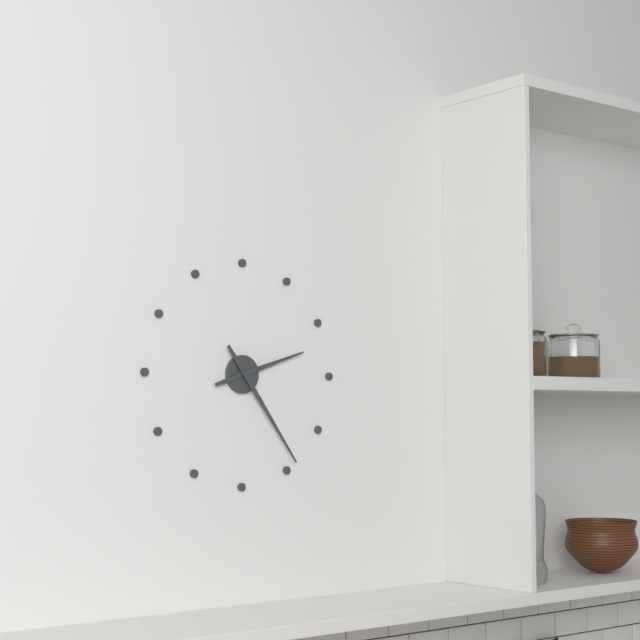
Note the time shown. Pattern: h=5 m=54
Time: h=2 m=24
